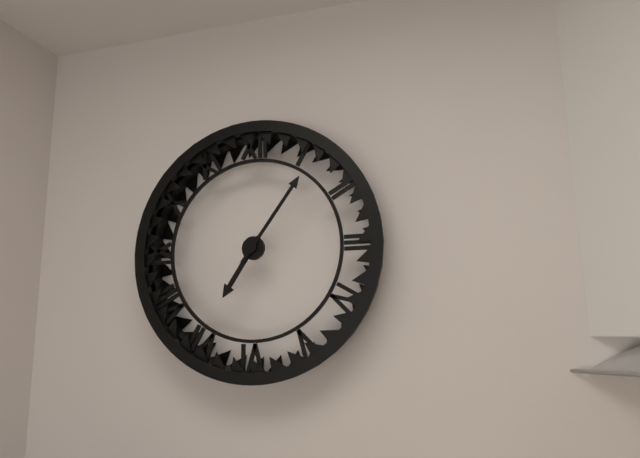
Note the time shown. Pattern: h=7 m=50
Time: h=7 m=6
